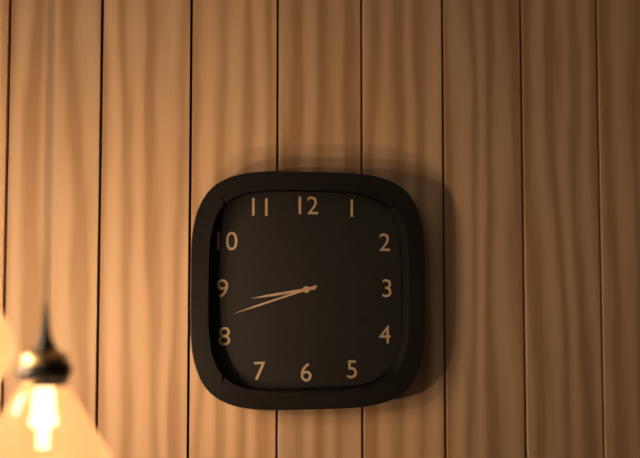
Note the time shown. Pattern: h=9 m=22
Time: h=8 m=42
